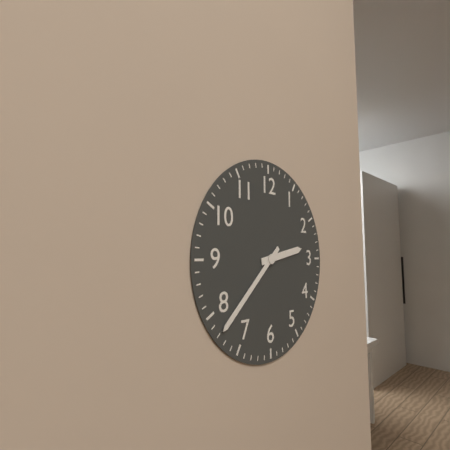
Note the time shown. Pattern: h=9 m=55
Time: h=2 m=38
